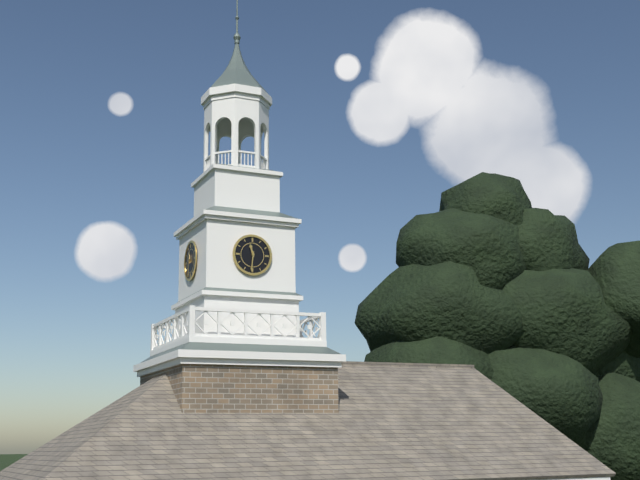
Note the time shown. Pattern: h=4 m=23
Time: h=11 m=31
